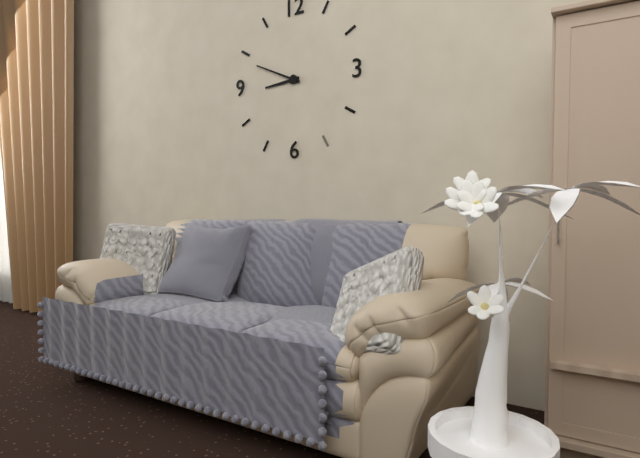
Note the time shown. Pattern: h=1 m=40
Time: h=8 m=49
